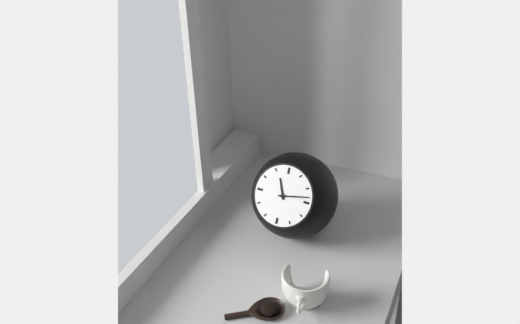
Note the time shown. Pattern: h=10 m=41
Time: h=11 m=13
